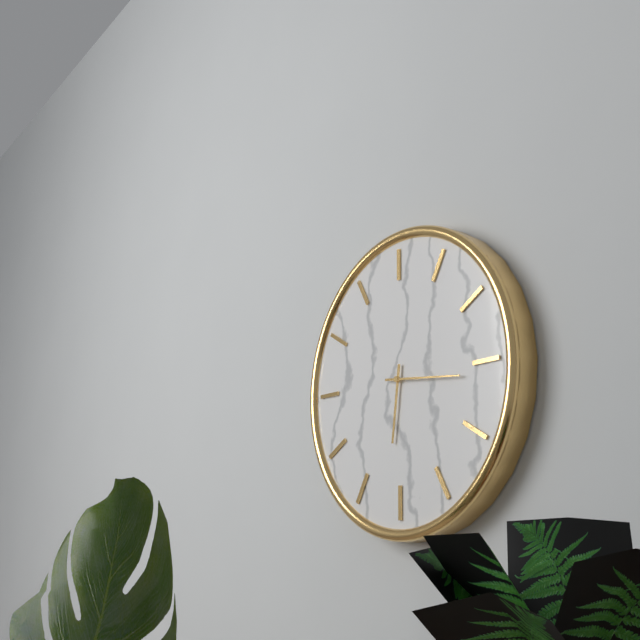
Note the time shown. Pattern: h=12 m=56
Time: h=6 m=16
